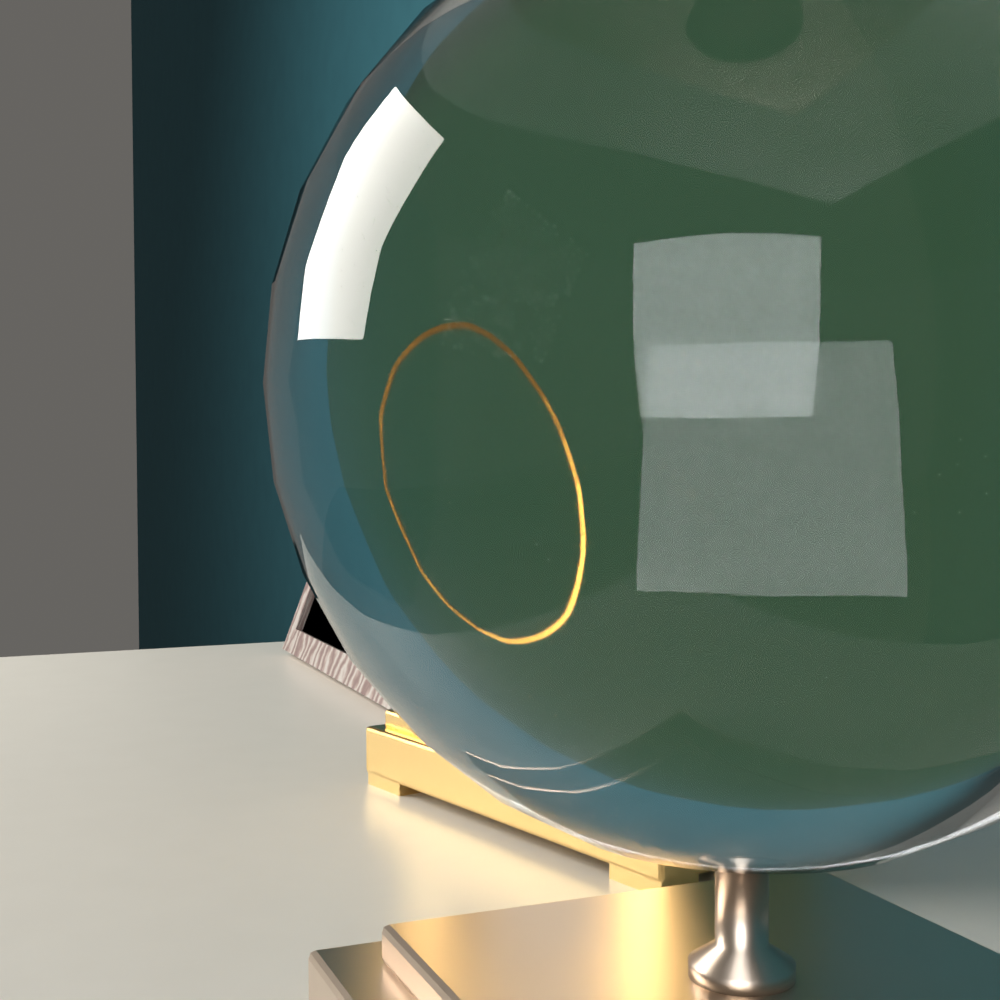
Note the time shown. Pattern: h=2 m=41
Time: h=7 m=16
